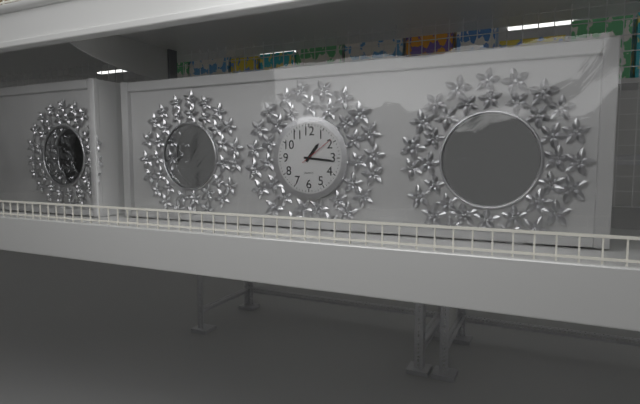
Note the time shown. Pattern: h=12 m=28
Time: h=1 m=16
